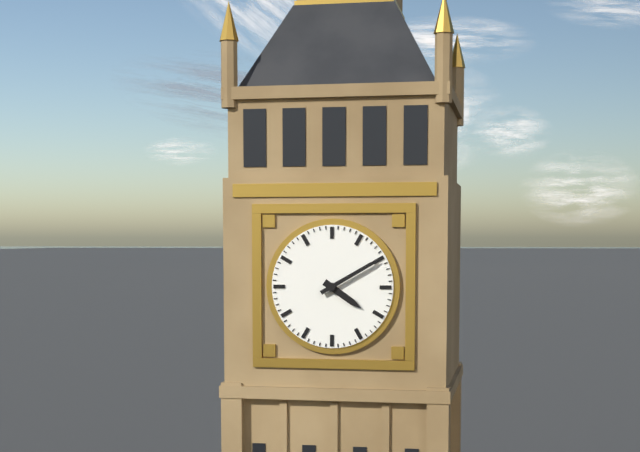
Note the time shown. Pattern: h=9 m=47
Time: h=4 m=10
